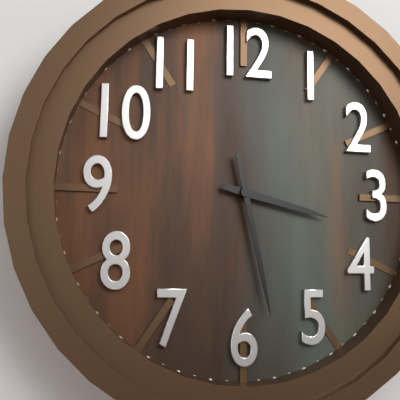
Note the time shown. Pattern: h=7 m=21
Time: h=3 m=28
